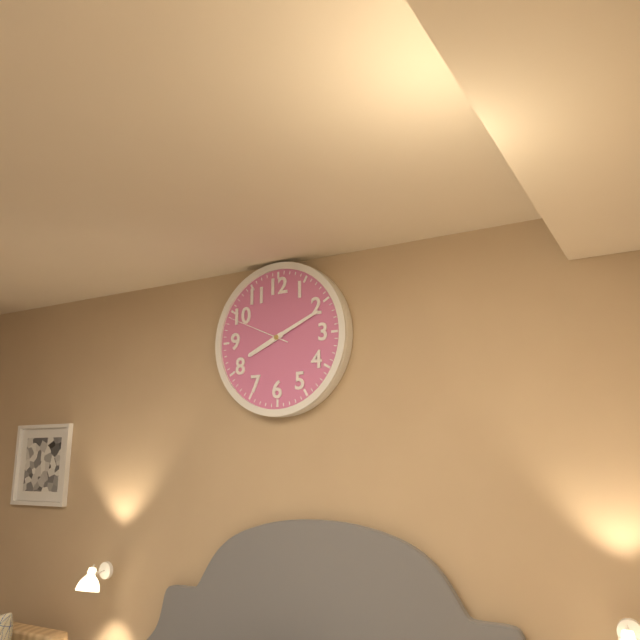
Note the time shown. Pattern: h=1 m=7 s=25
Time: h=8 m=11 s=49
